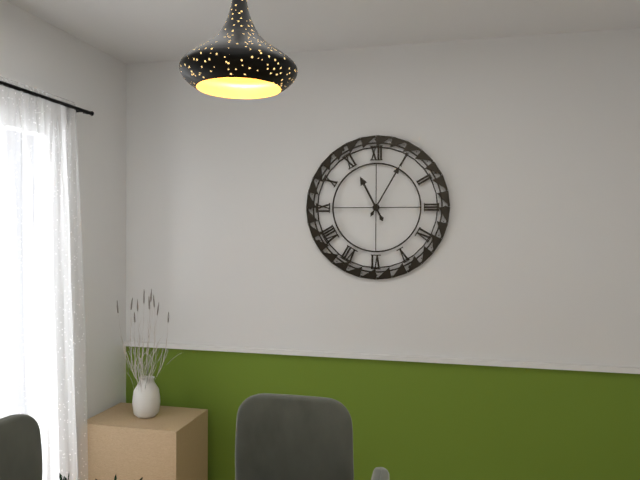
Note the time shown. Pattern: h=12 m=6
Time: h=11 m=5
